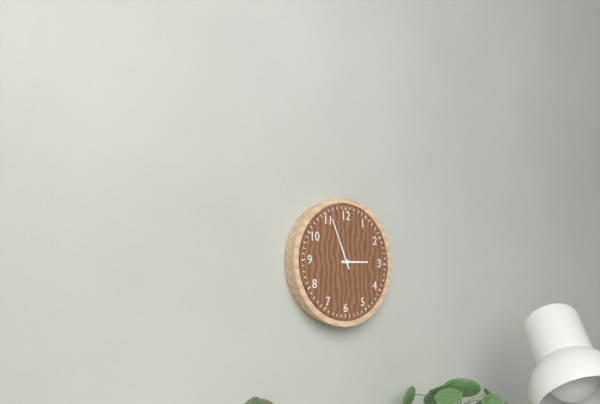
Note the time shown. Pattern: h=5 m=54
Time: h=2 m=56
